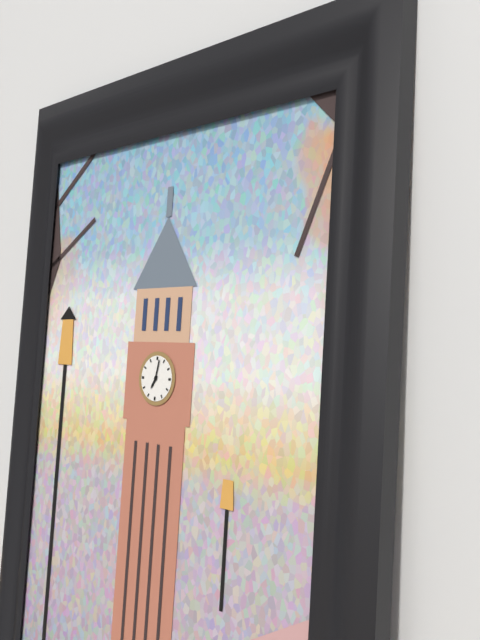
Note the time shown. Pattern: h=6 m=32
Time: h=7 m=2
